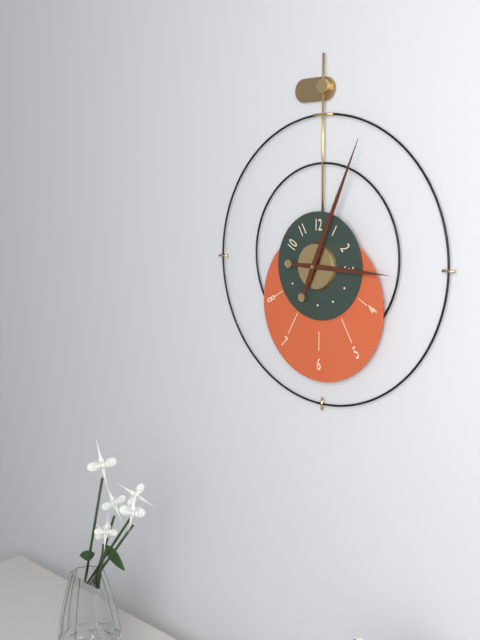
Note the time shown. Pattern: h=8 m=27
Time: h=3 m=4
